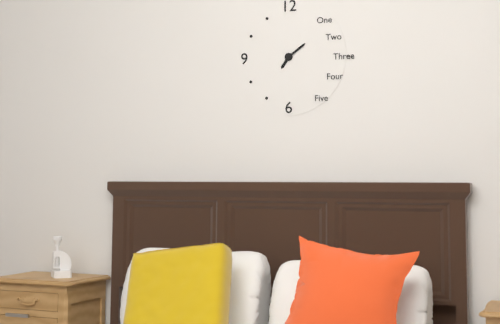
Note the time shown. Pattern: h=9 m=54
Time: h=7 m=9
